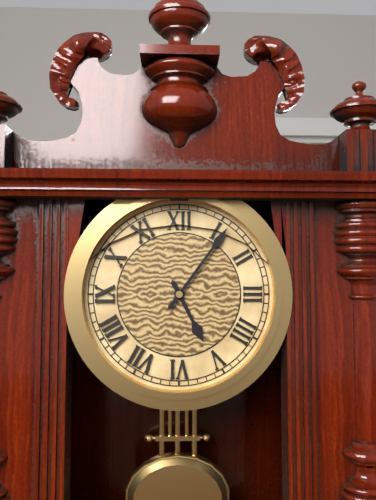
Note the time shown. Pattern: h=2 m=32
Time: h=5 m=6
